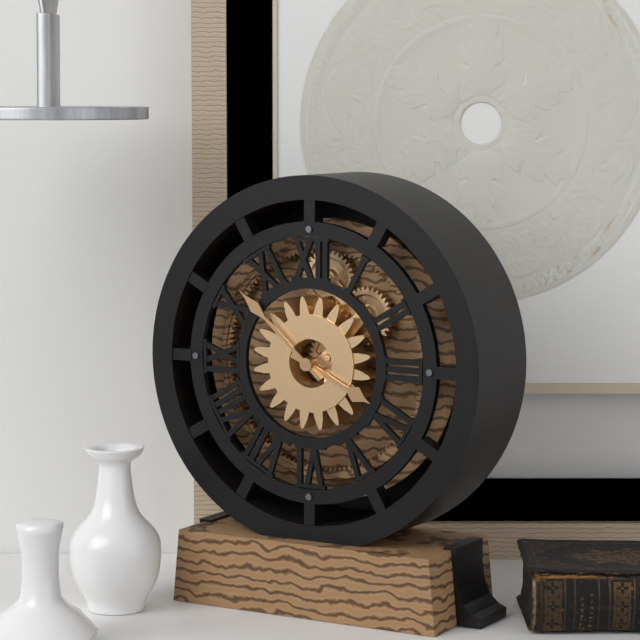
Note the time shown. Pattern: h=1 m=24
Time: h=3 m=52
